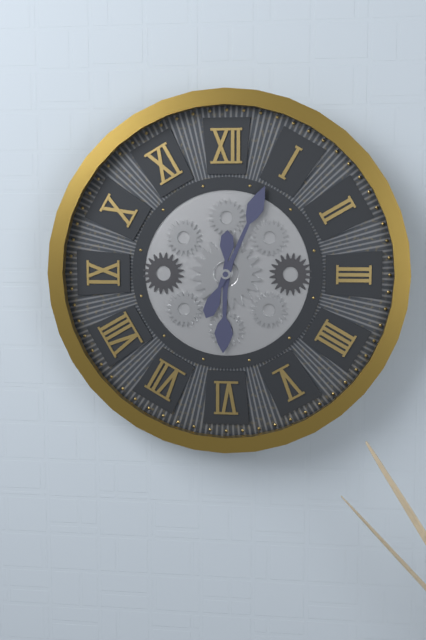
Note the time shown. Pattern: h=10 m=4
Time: h=6 m=4
